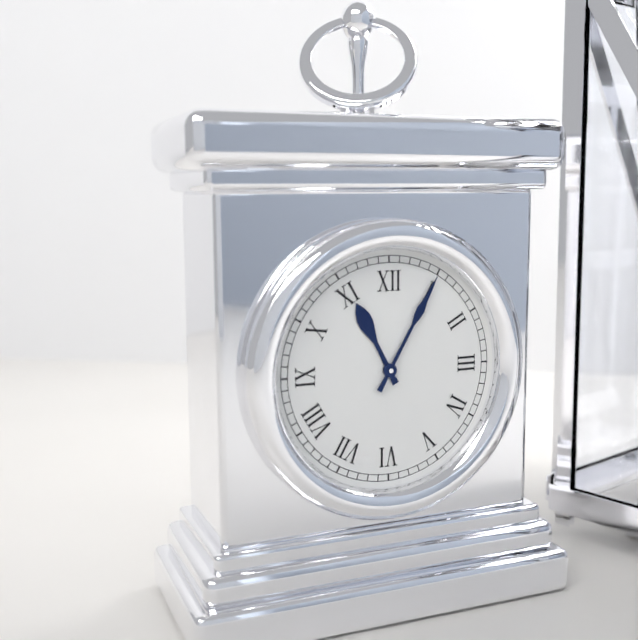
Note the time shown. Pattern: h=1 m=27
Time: h=11 m=5
